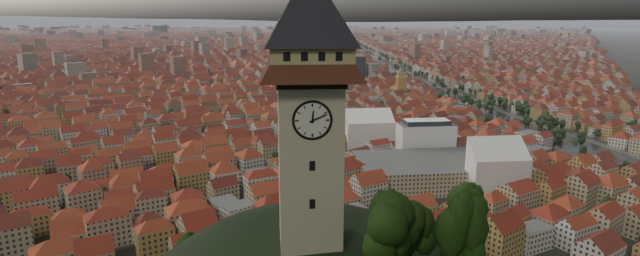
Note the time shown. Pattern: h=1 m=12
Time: h=12 m=11
